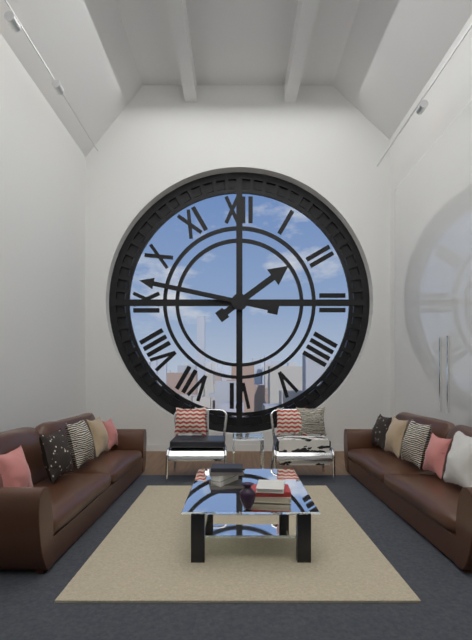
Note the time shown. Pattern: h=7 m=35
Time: h=1 m=47
